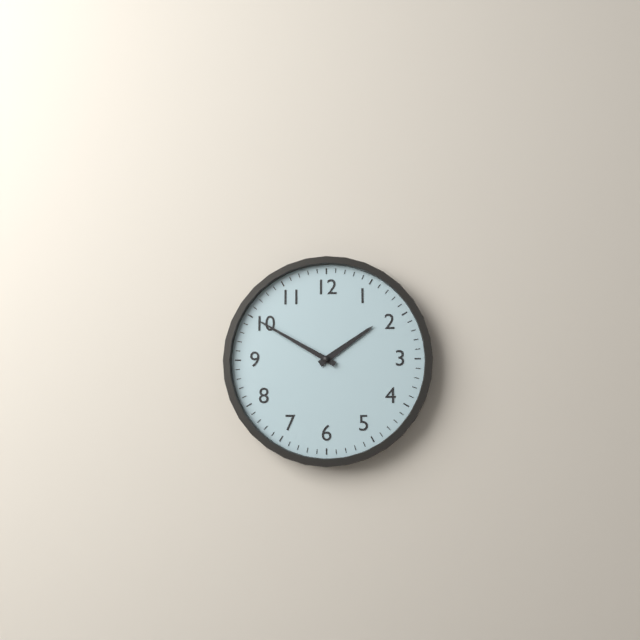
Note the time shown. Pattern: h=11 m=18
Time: h=1 m=50
